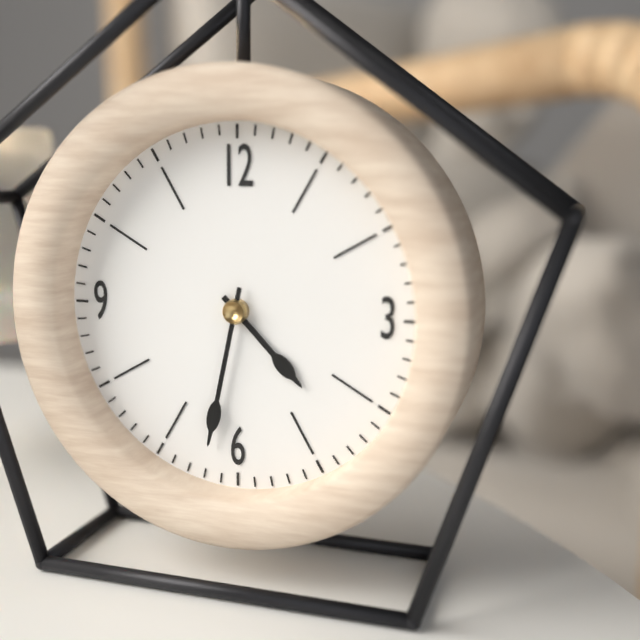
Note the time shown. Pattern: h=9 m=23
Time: h=4 m=32
